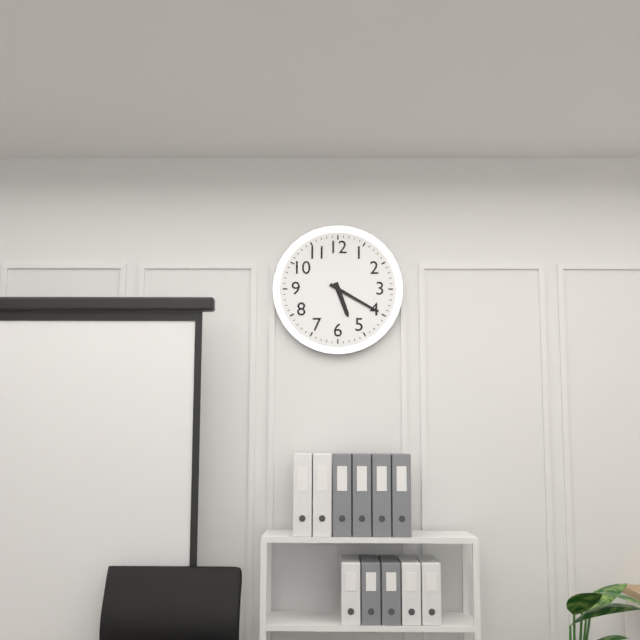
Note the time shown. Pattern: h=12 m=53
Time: h=5 m=20
